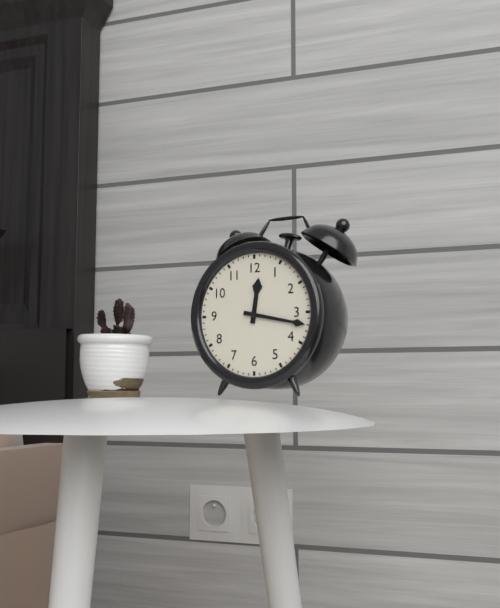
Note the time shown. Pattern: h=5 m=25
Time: h=12 m=17
